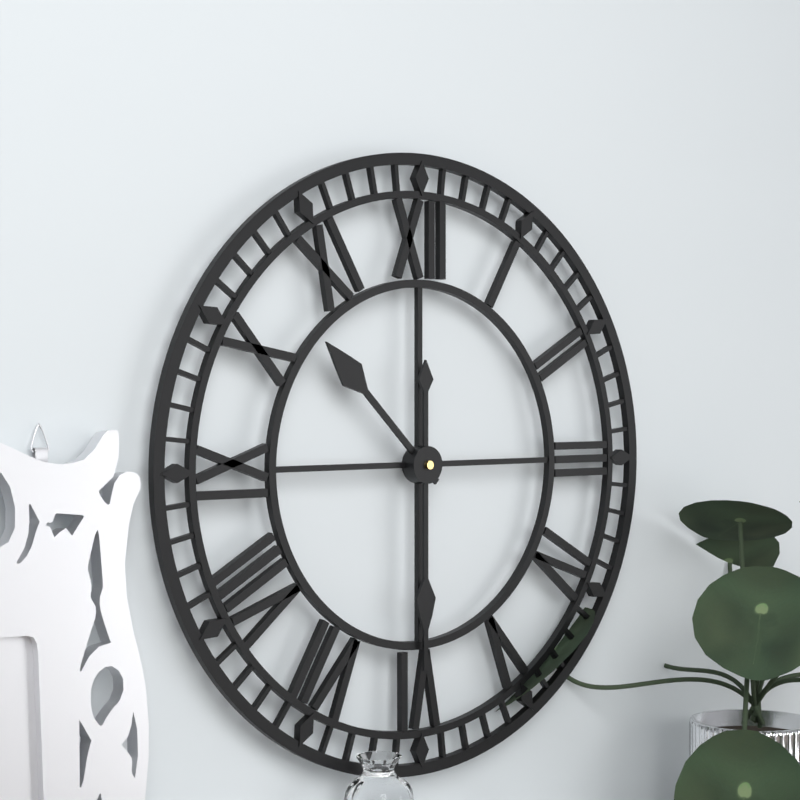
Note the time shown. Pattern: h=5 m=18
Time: h=10 m=30
